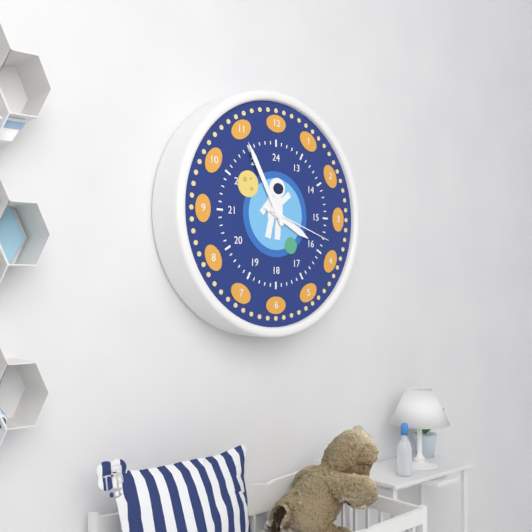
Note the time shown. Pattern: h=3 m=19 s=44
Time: h=3 m=55 s=18
